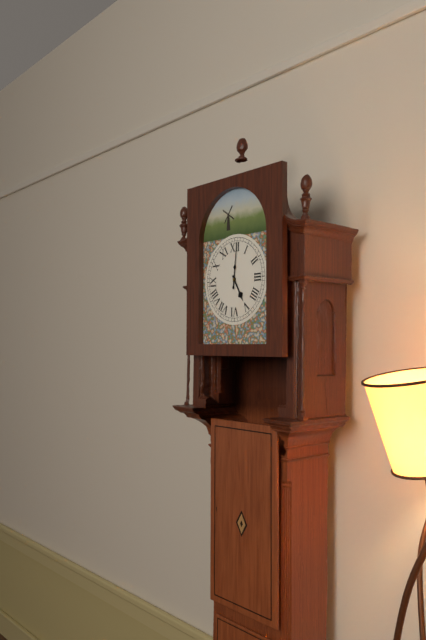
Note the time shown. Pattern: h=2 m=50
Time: h=5 m=1
